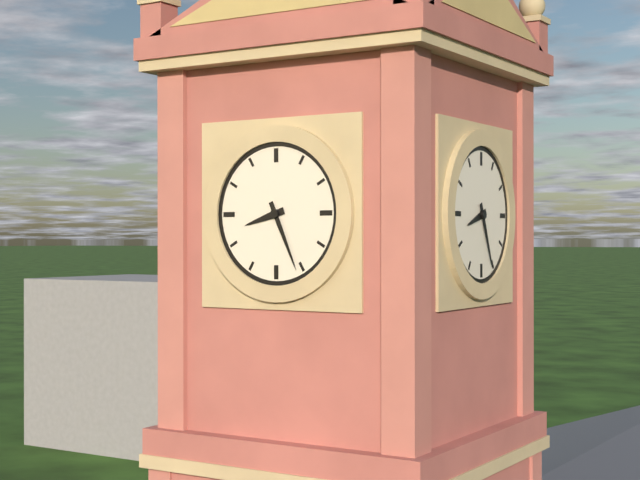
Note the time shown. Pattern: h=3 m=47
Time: h=8 m=26
